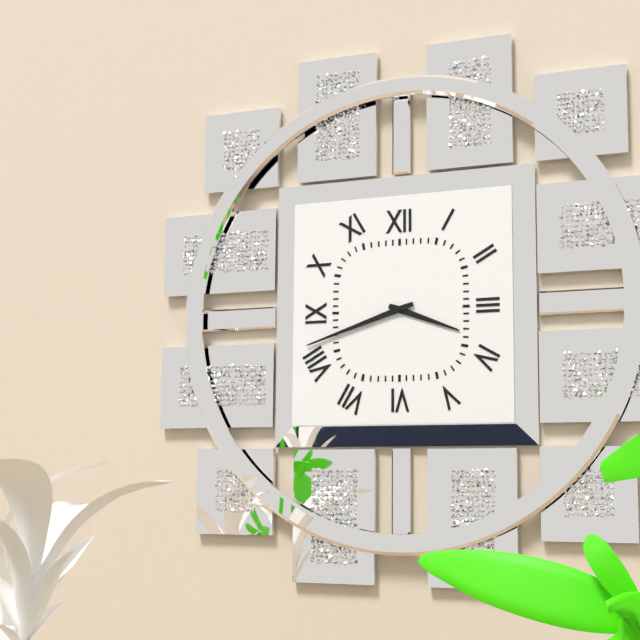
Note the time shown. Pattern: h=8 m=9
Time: h=3 m=42
